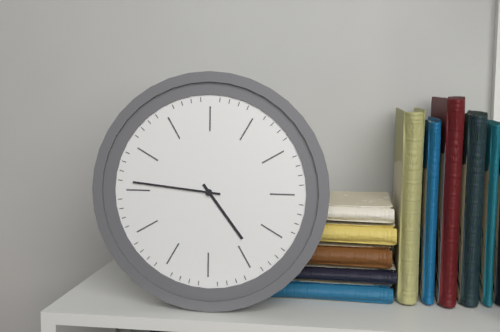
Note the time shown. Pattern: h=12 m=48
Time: h=4 m=46
